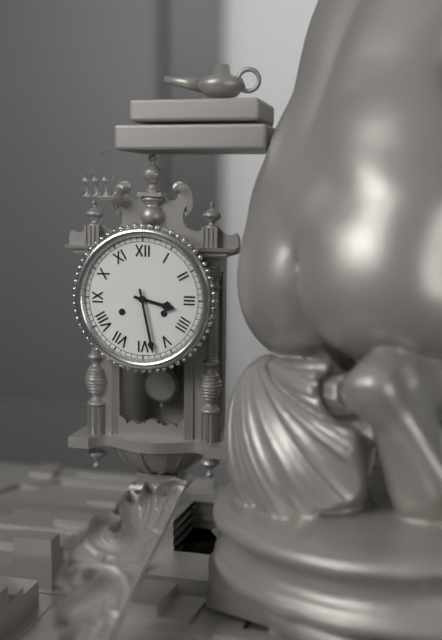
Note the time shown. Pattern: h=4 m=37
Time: h=3 m=28
